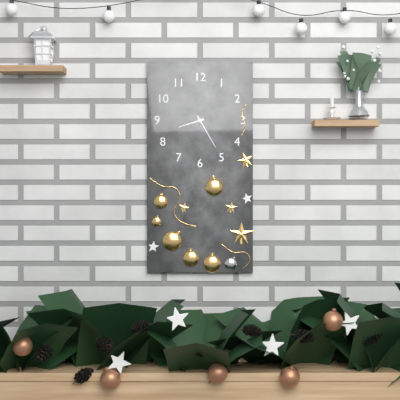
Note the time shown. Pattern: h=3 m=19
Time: h=8 m=25
